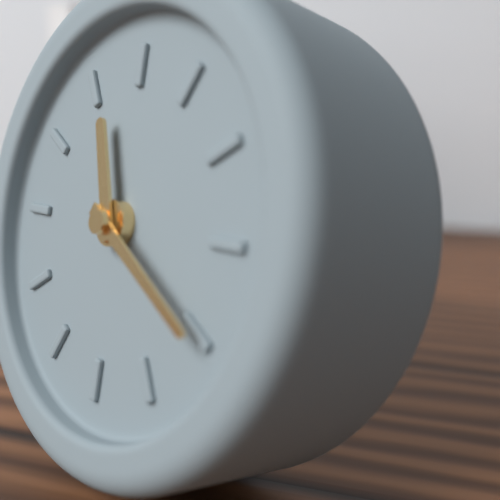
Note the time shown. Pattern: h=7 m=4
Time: h=11 m=20
